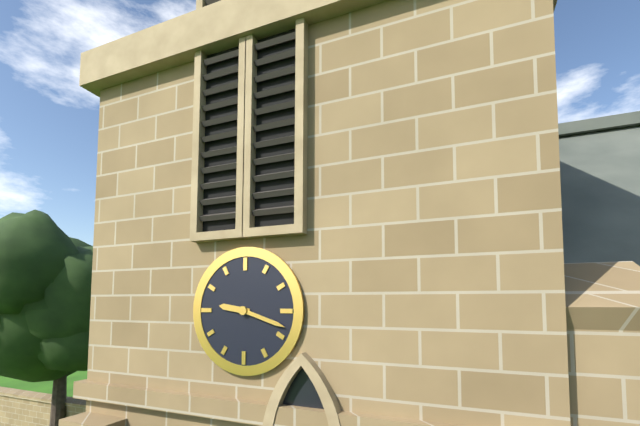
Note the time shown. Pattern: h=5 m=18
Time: h=9 m=18
